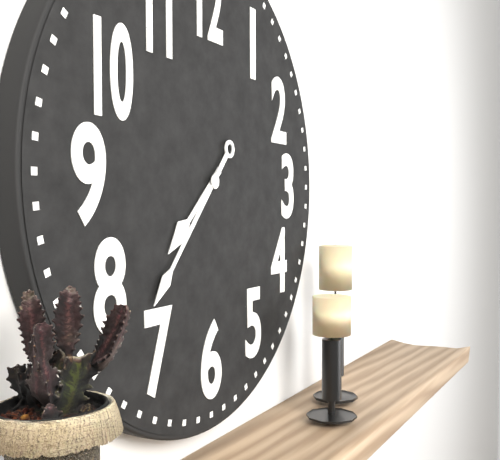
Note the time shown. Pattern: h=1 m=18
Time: h=7 m=37
